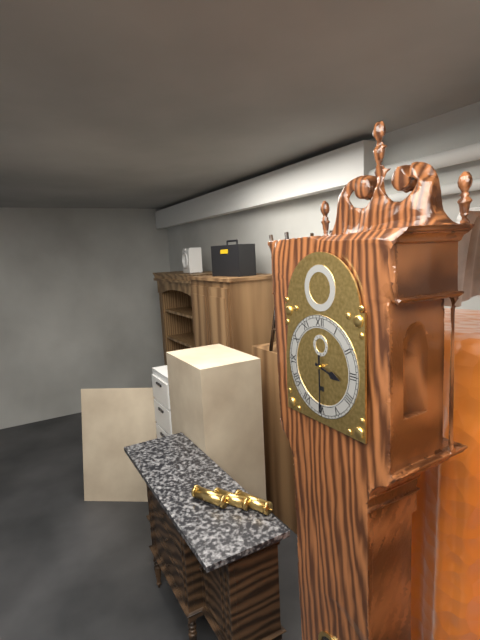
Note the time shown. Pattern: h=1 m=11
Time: h=3 m=30
